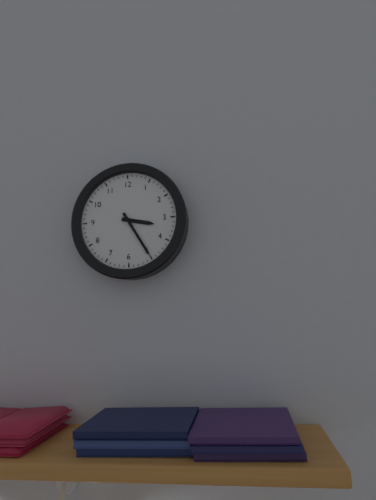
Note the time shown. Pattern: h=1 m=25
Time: h=3 m=25
